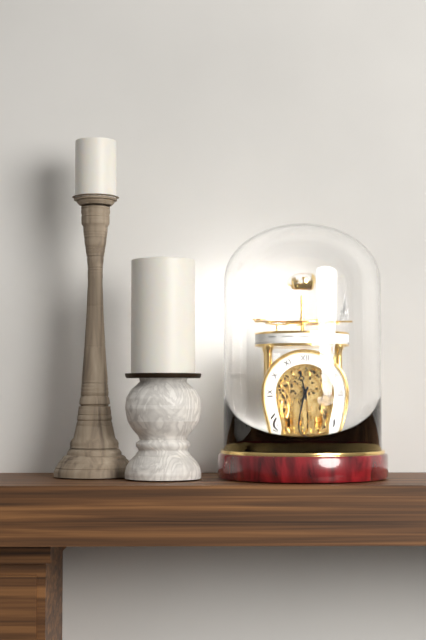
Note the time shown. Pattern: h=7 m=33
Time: h=11 m=34
